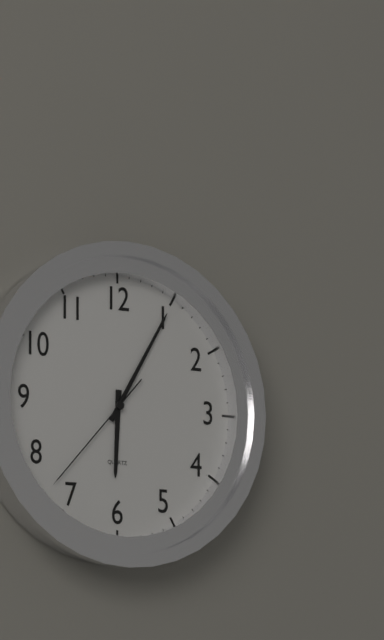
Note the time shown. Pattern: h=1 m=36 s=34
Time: h=6 m=5 s=37
